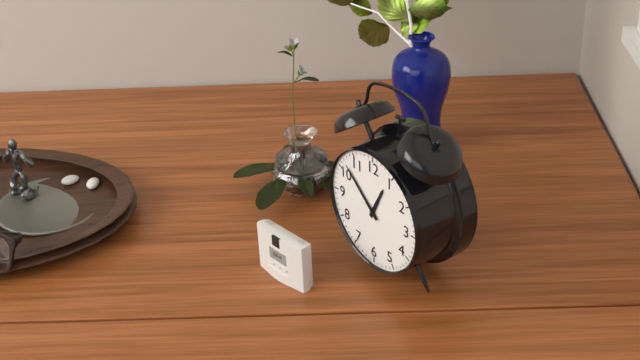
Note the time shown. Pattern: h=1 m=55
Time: h=12 m=52
